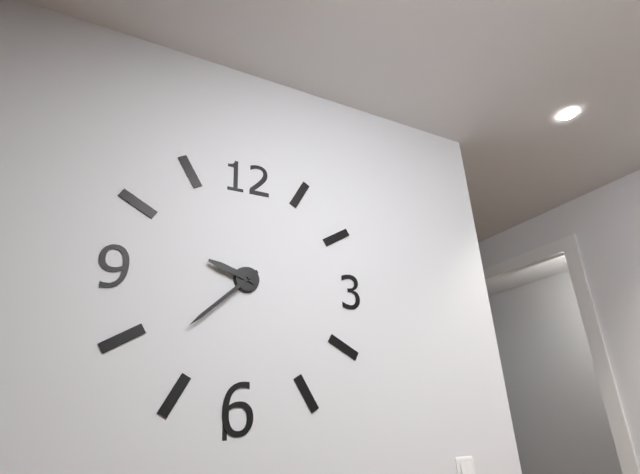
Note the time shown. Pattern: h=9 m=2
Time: h=9 m=38
